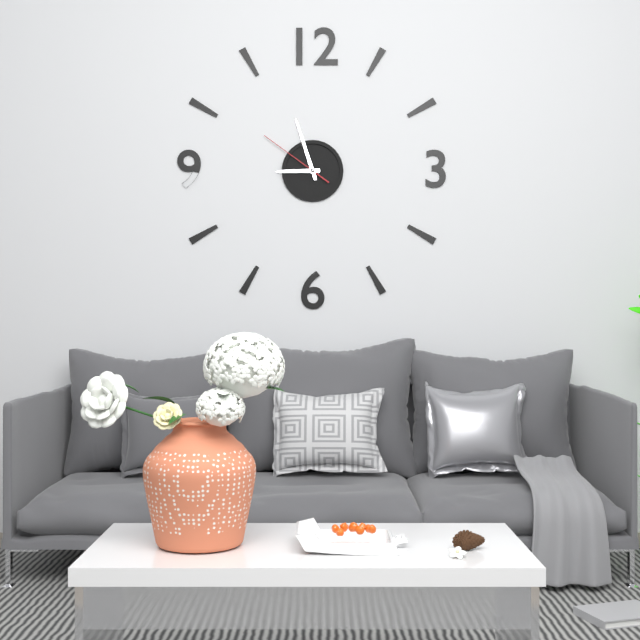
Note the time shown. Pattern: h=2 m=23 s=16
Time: h=8 m=57 s=51
